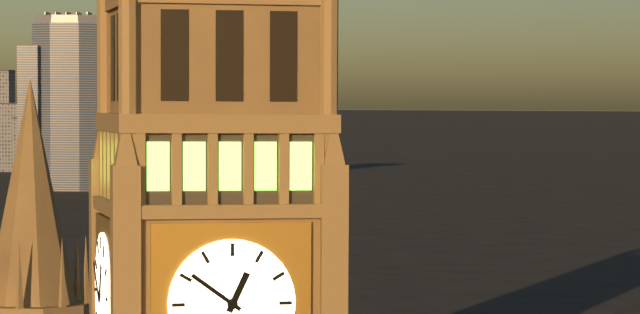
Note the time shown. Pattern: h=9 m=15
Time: h=12 m=51
